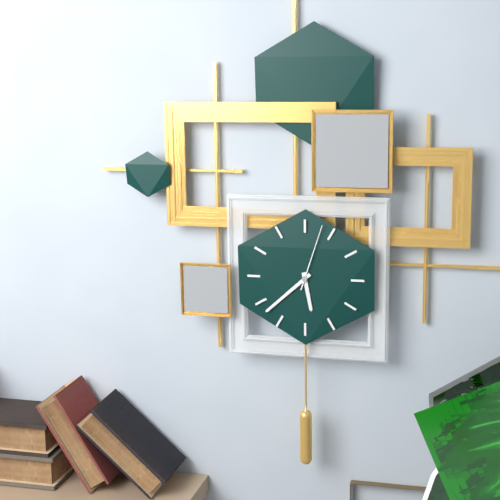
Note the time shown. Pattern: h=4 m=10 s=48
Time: h=5 m=38 s=3
